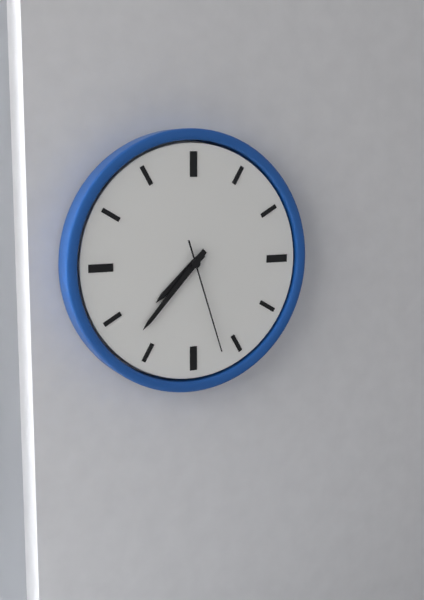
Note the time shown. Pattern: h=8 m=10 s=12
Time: h=7 m=37 s=27
